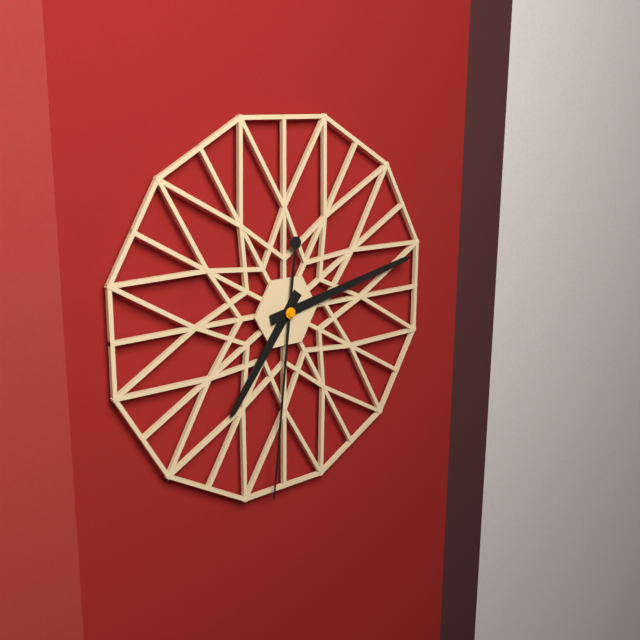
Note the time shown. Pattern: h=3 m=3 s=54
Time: h=7 m=13 s=31
